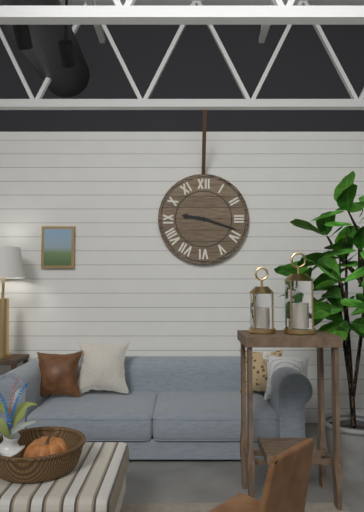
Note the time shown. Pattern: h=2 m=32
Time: h=9 m=18
